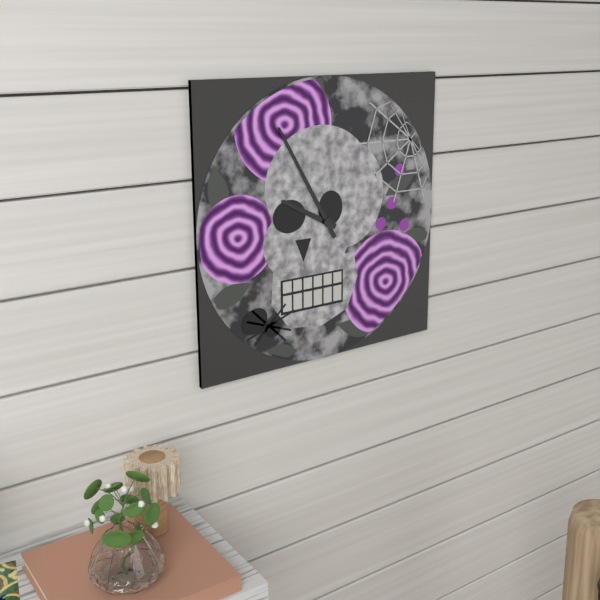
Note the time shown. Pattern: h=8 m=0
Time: h=9 m=55
